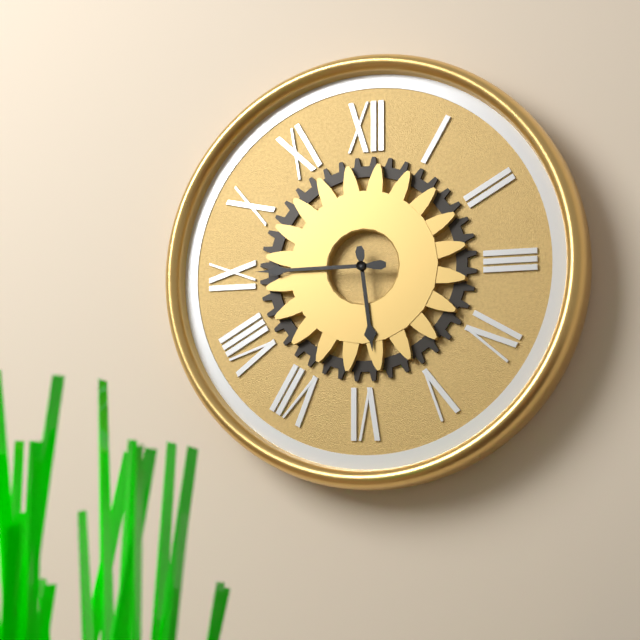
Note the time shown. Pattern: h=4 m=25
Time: h=5 m=45
